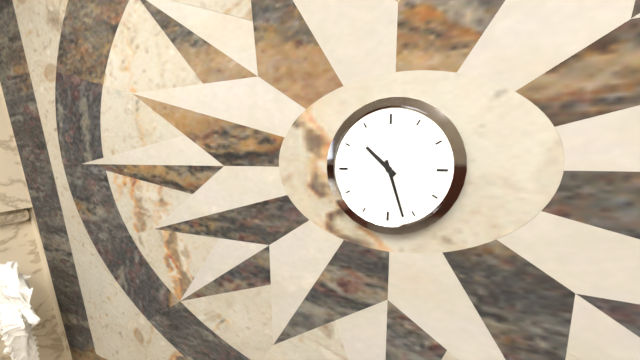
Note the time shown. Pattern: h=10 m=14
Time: h=10 m=27
